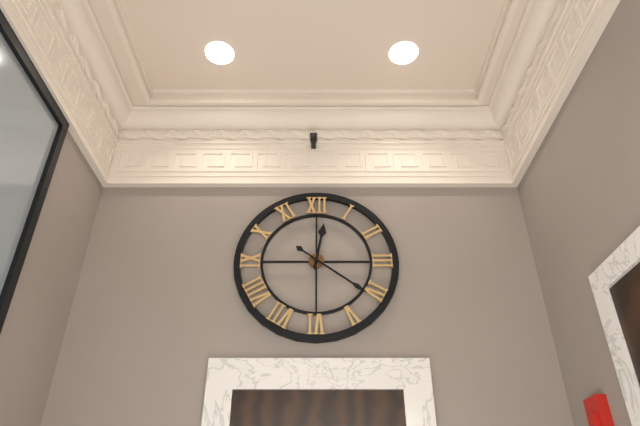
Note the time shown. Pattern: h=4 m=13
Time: h=12 m=21
